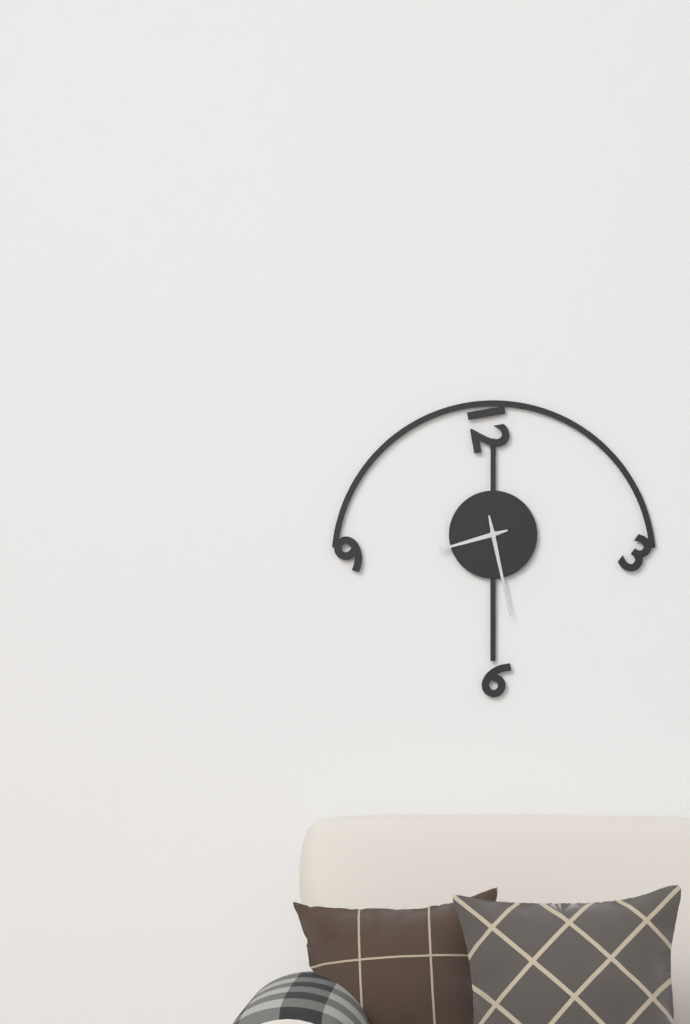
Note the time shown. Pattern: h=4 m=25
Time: h=8 m=28
